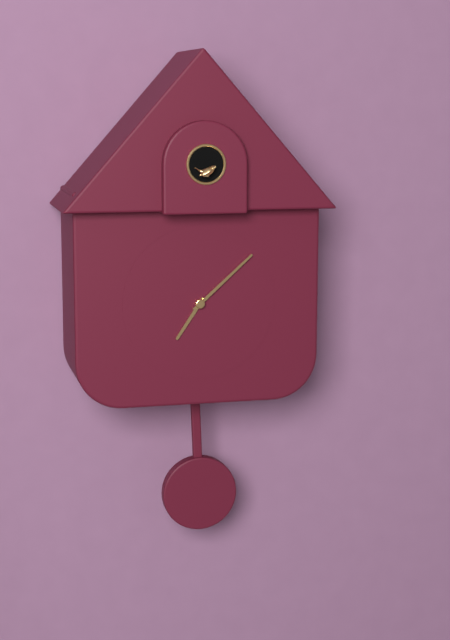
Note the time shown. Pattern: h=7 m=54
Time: h=7 m=8
